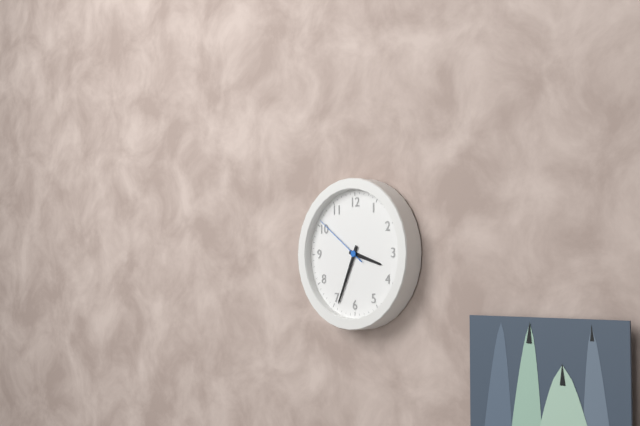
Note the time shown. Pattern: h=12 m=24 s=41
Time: h=3 m=34 s=51
